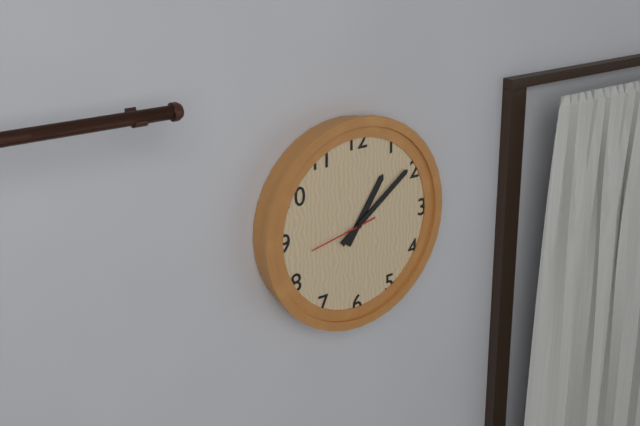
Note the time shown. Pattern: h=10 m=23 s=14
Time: h=1 m=9 s=43
